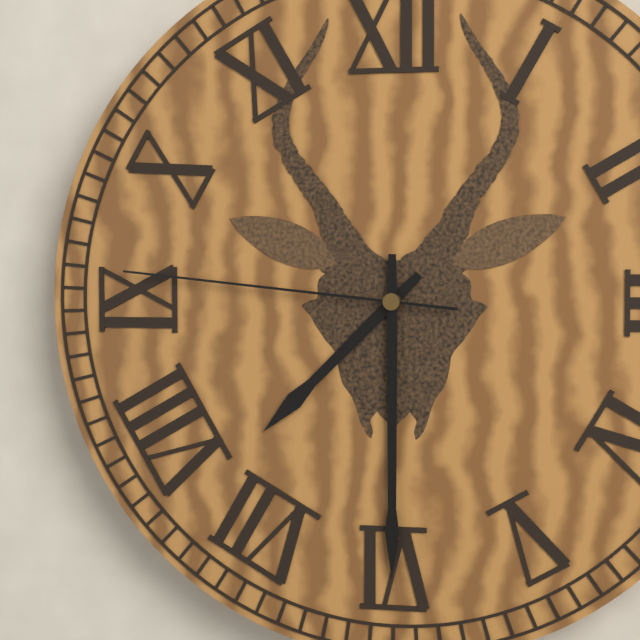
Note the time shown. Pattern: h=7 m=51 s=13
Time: h=7 m=30 s=46
